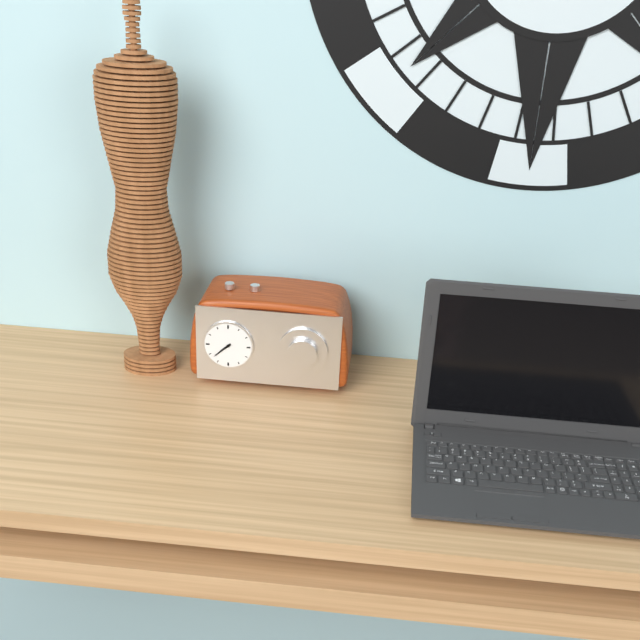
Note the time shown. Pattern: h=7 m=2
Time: h=7 m=38
